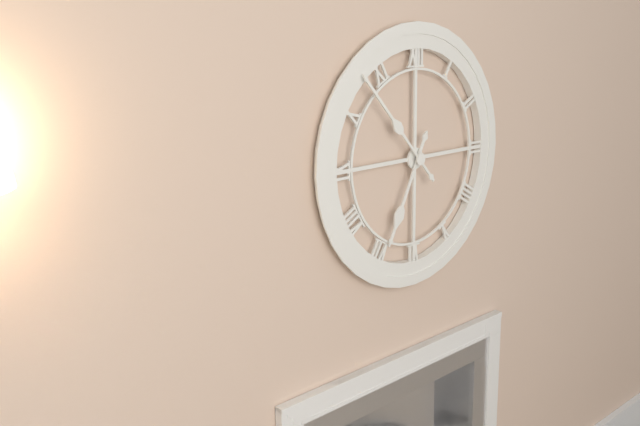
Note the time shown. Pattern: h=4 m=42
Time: h=6 m=53
